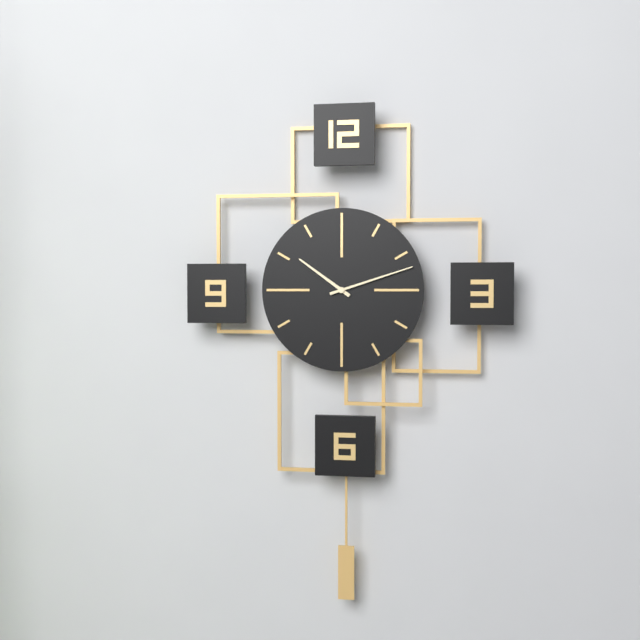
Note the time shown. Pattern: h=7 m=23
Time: h=10 m=12
